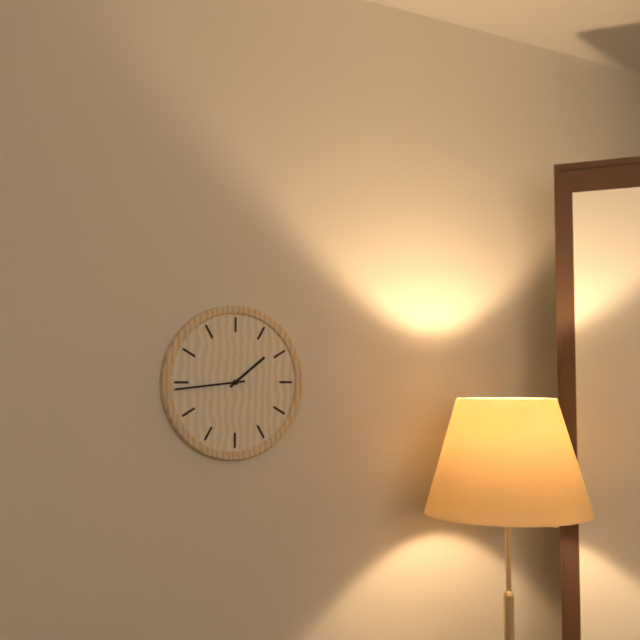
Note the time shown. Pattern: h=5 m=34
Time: h=1 m=44
